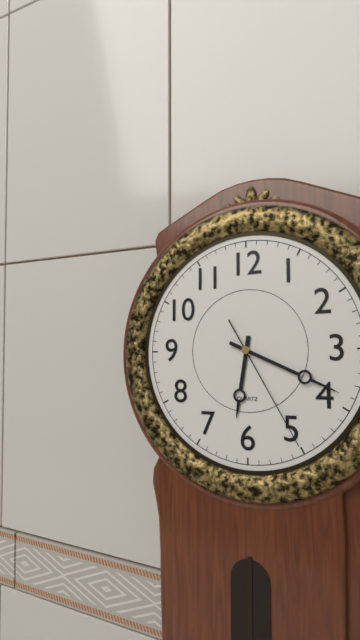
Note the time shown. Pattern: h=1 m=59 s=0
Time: h=6 m=19 s=25
